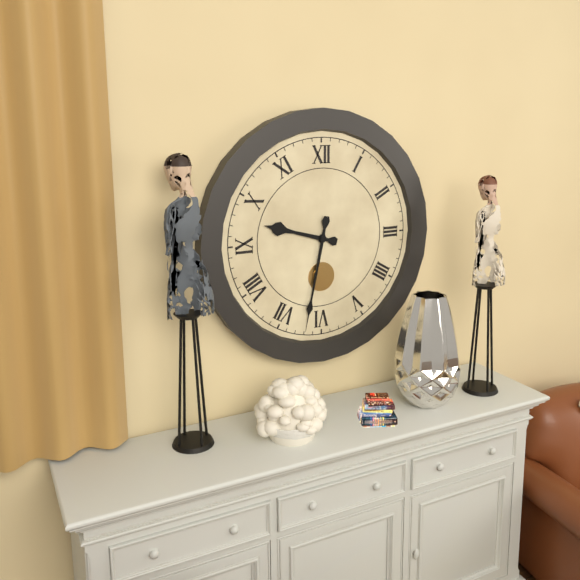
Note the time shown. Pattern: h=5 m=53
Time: h=9 m=32
